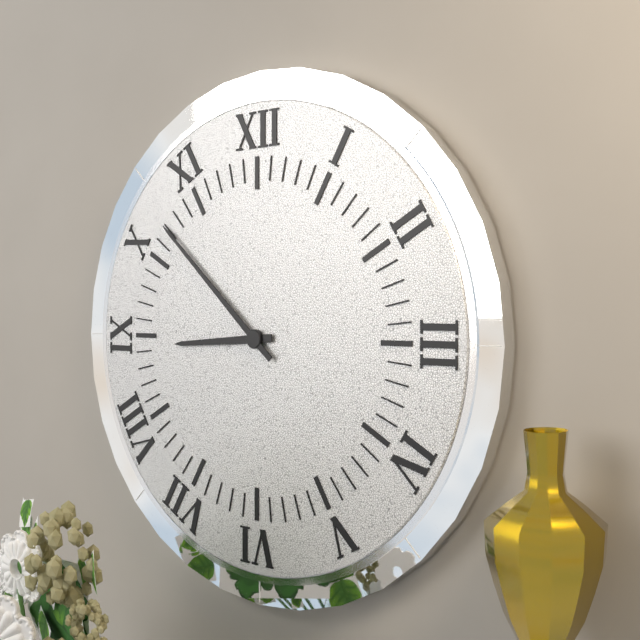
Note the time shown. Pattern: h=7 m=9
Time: h=8 m=52
